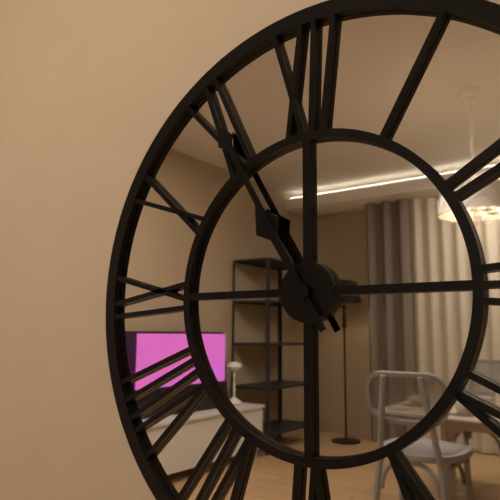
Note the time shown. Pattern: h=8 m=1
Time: h=10 m=55
